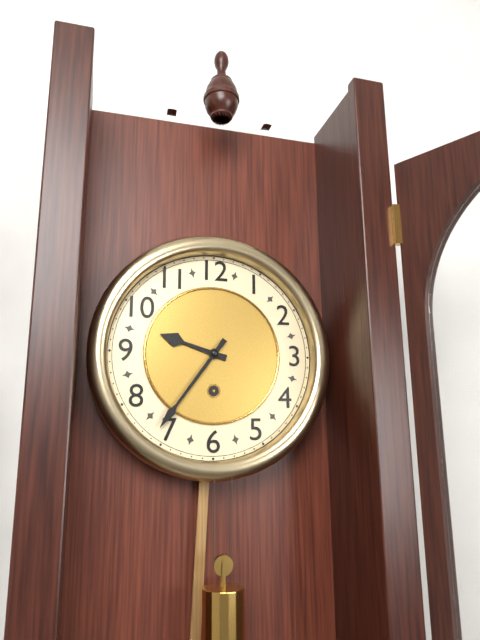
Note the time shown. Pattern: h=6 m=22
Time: h=9 m=36
